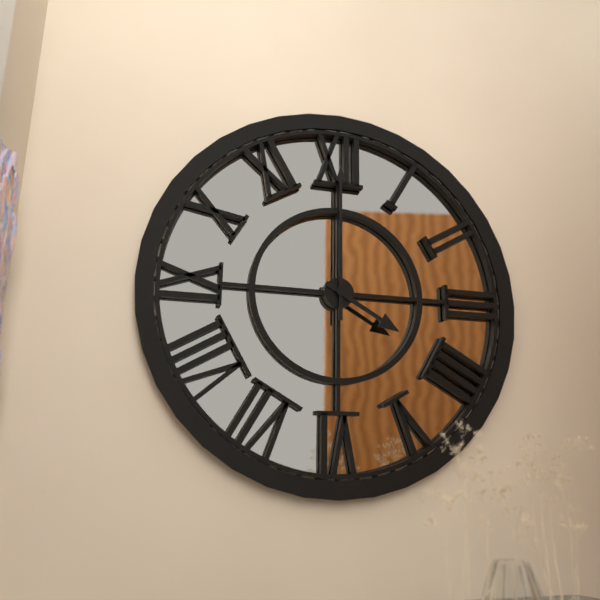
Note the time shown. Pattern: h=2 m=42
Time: h=4 m=0
